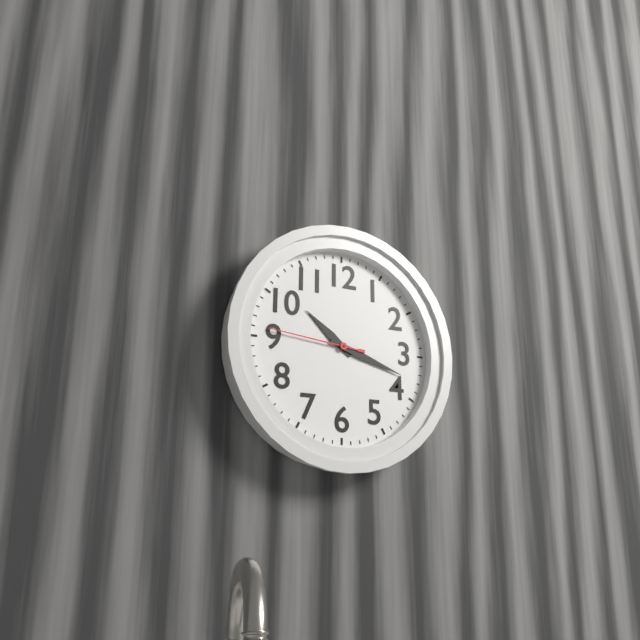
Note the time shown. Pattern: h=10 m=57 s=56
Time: h=10 m=18 s=46
